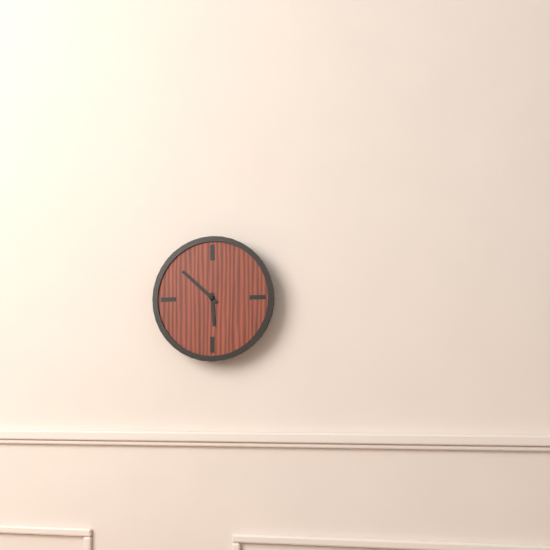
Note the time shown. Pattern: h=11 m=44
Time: h=5 m=52
